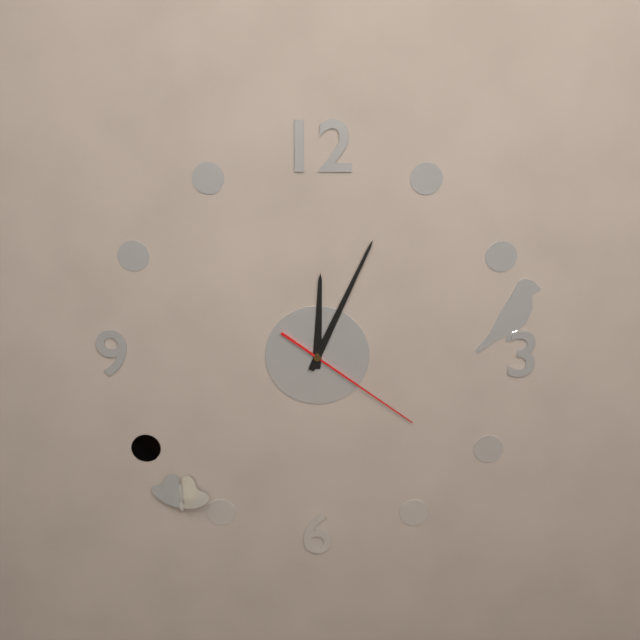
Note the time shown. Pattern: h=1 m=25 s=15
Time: h=12 m=4 s=21
